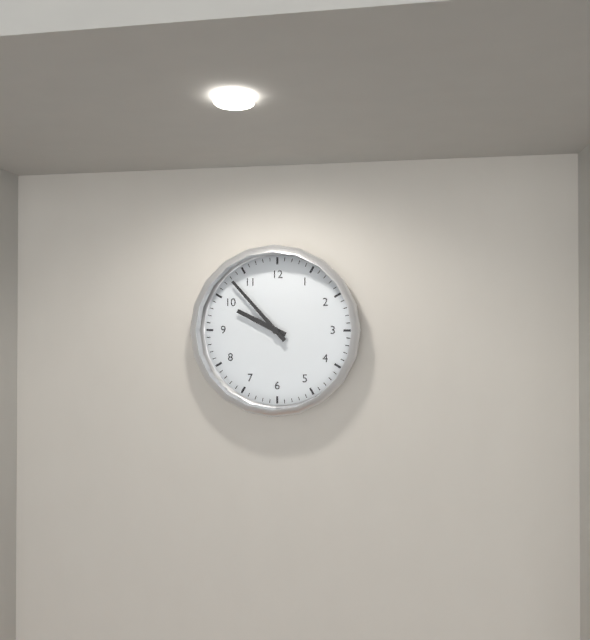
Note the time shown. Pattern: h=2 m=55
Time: h=9 m=53
